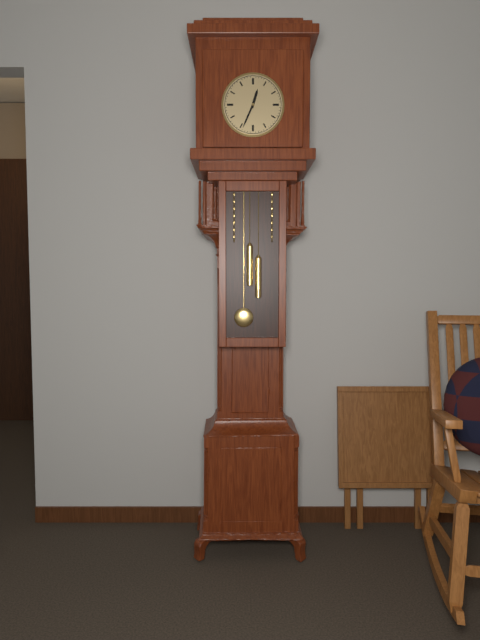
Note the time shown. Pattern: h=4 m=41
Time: h=12 m=34
